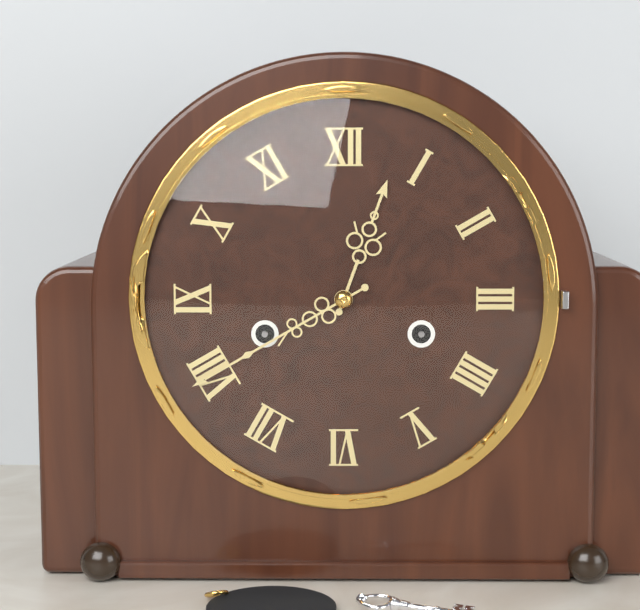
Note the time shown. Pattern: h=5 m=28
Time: h=12 m=40
